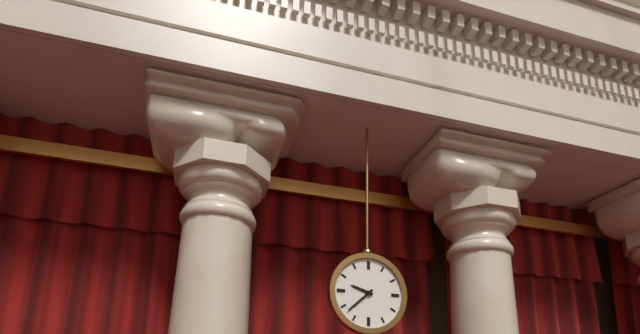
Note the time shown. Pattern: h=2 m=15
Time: h=9 m=38
